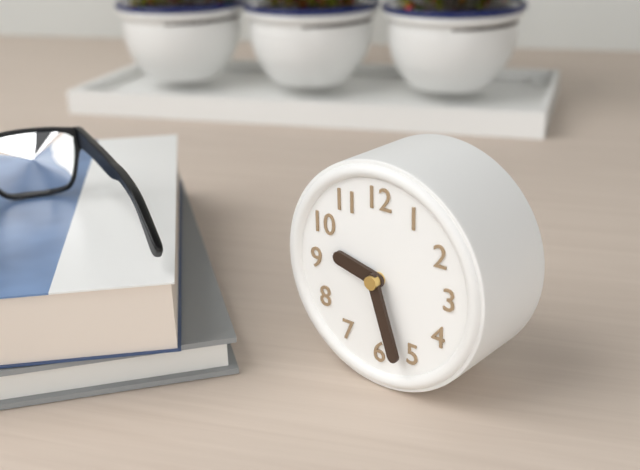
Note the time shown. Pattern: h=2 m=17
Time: h=9 m=27
